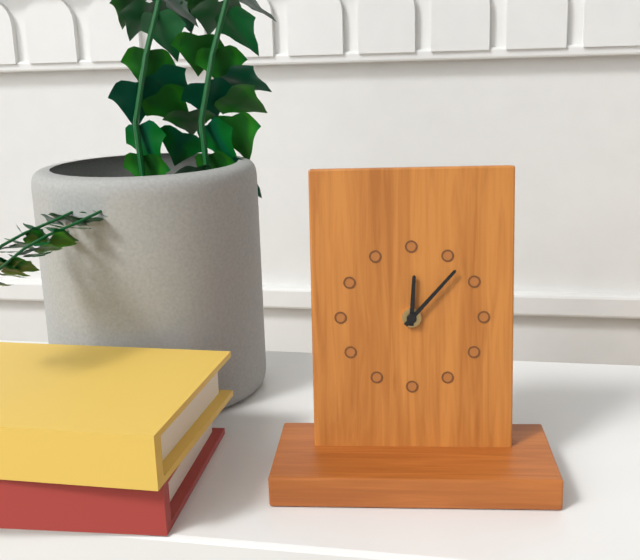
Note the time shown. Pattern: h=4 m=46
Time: h=12 m=7
